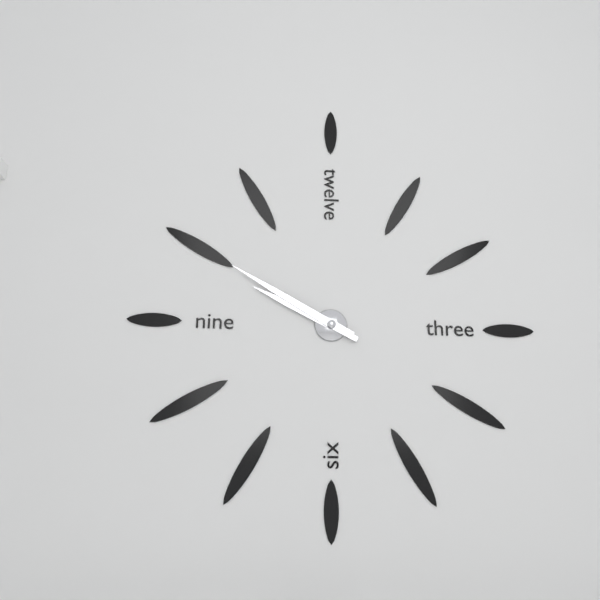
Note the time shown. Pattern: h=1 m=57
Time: h=9 m=50
